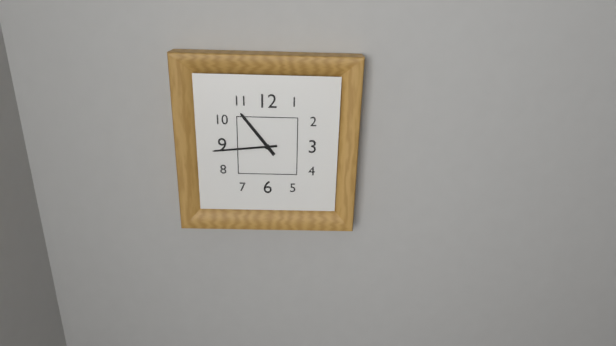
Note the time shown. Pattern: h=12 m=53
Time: h=10 m=44
